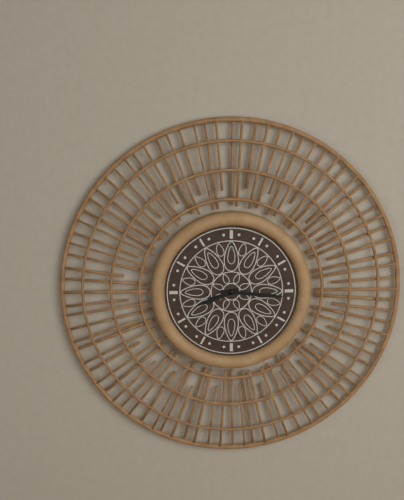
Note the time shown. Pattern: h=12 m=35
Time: h=8 m=16
